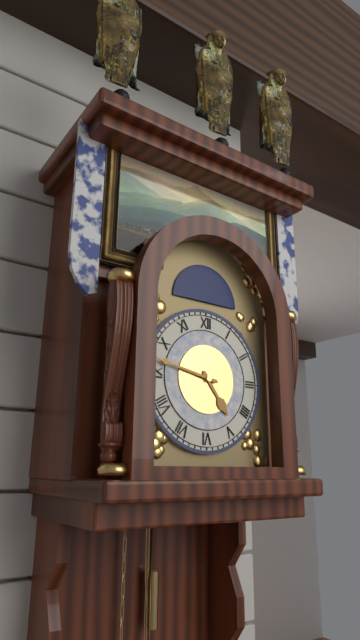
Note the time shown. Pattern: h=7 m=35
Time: h=4 m=47
